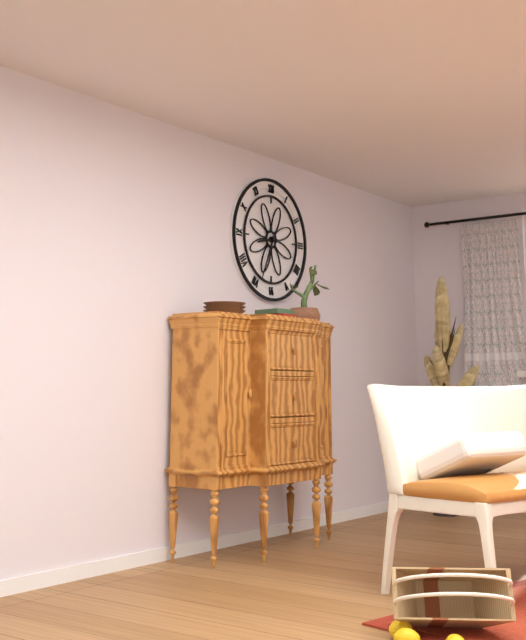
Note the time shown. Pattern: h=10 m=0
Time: h=8 m=34
